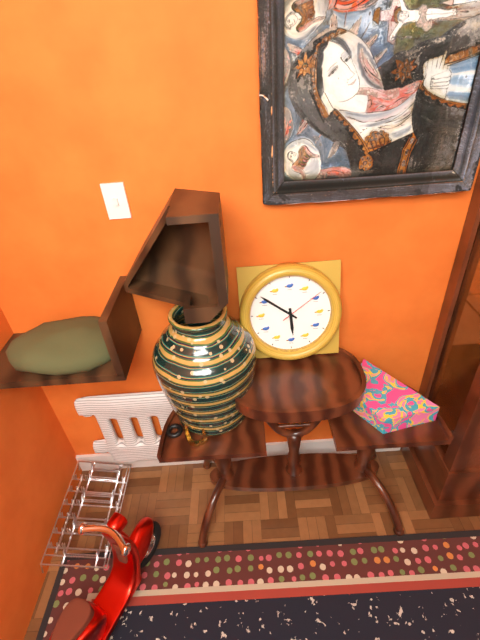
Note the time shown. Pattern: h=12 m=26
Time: h=5 m=51
